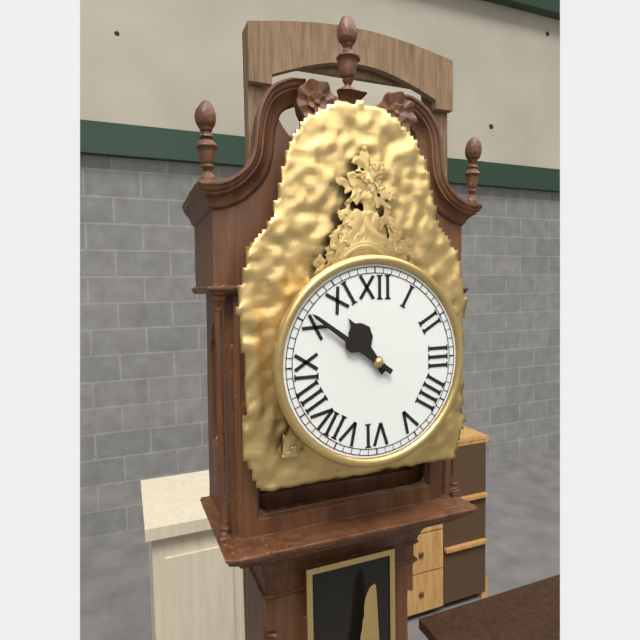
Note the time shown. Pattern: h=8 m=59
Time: h=10 m=51
